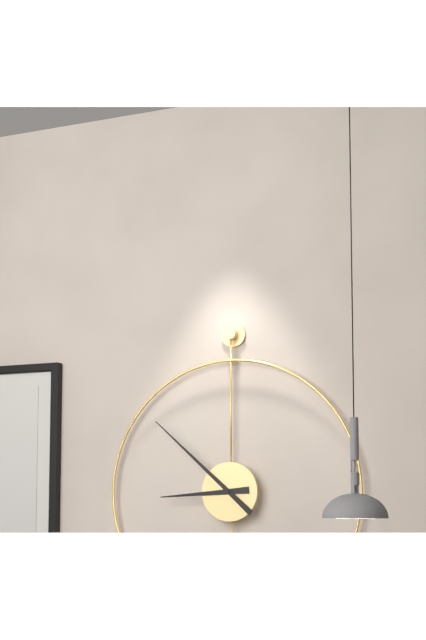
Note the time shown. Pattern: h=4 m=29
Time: h=8 m=52
